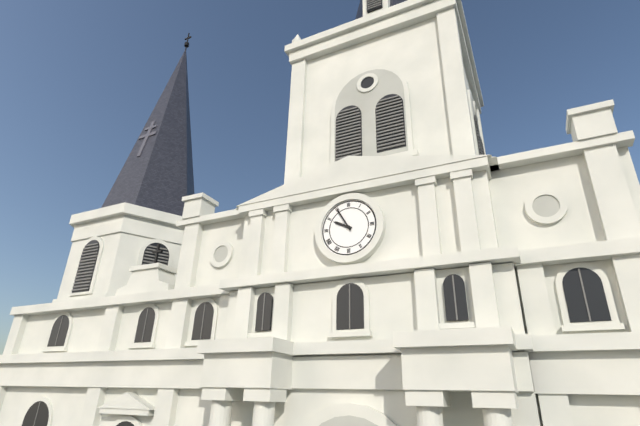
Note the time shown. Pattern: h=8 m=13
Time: h=9 m=55
